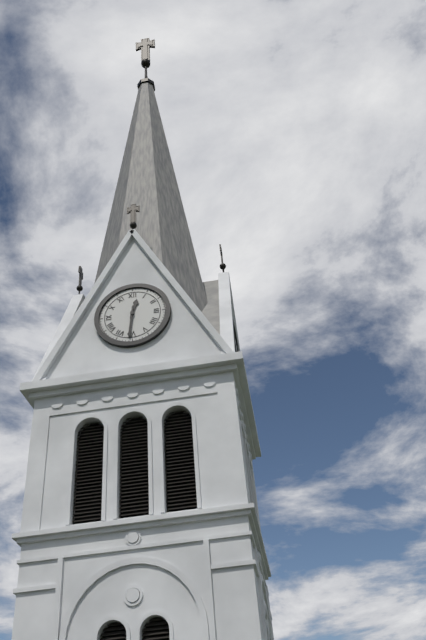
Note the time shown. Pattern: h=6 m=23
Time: h=12 m=31
